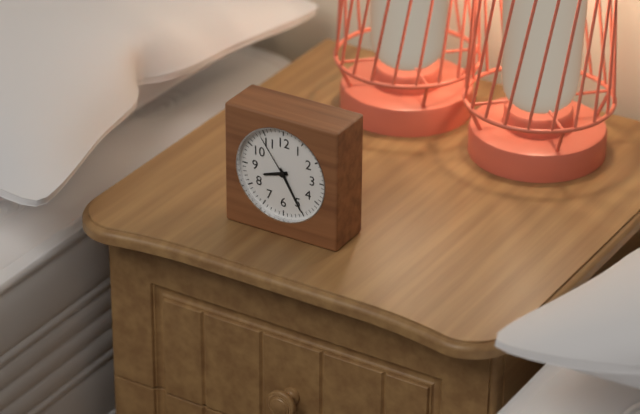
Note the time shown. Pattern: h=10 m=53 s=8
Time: h=8 m=25 s=54
